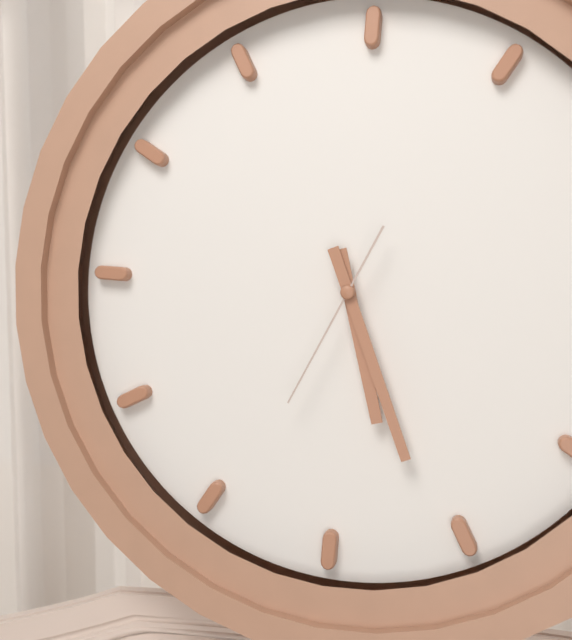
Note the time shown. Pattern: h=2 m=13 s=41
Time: h=5 m=26 s=34
